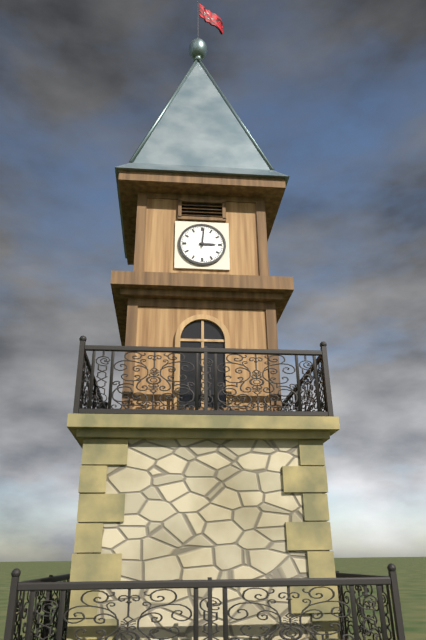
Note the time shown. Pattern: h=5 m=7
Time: h=3 m=1
